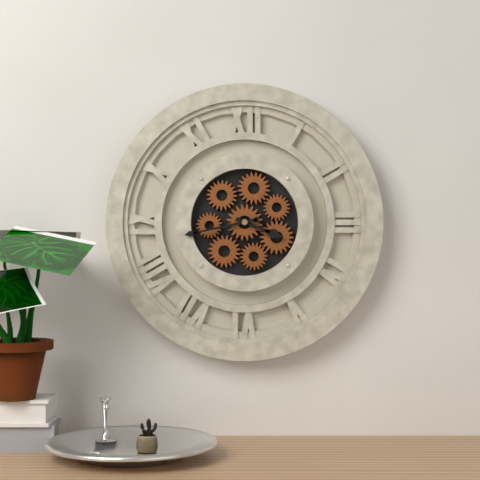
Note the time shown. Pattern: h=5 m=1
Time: h=3 m=43
